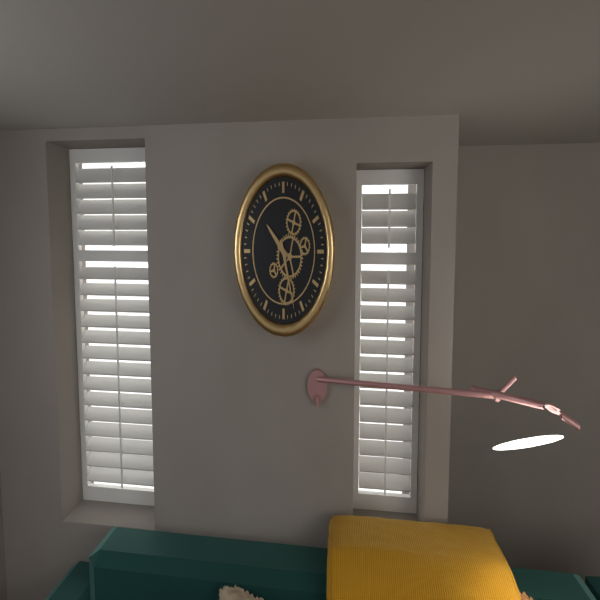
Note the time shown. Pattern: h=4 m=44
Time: h=10 m=27
